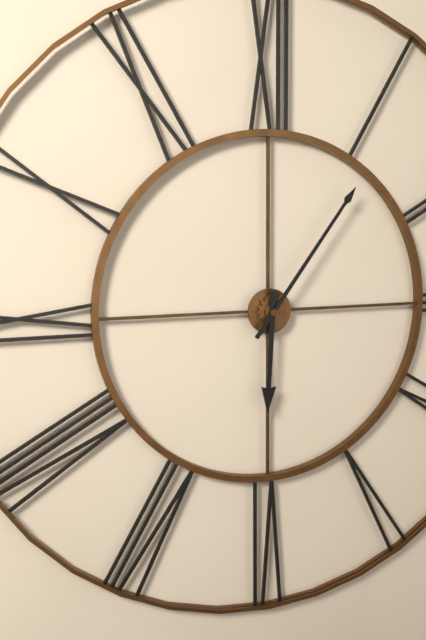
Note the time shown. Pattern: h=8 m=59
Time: h=6 m=6
